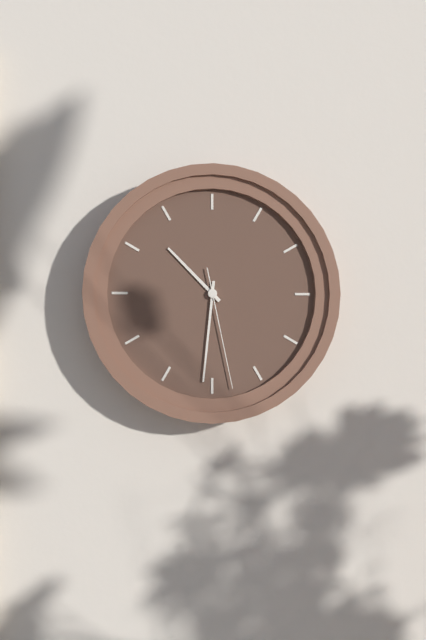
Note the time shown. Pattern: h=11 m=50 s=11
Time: h=10 m=31 s=28
